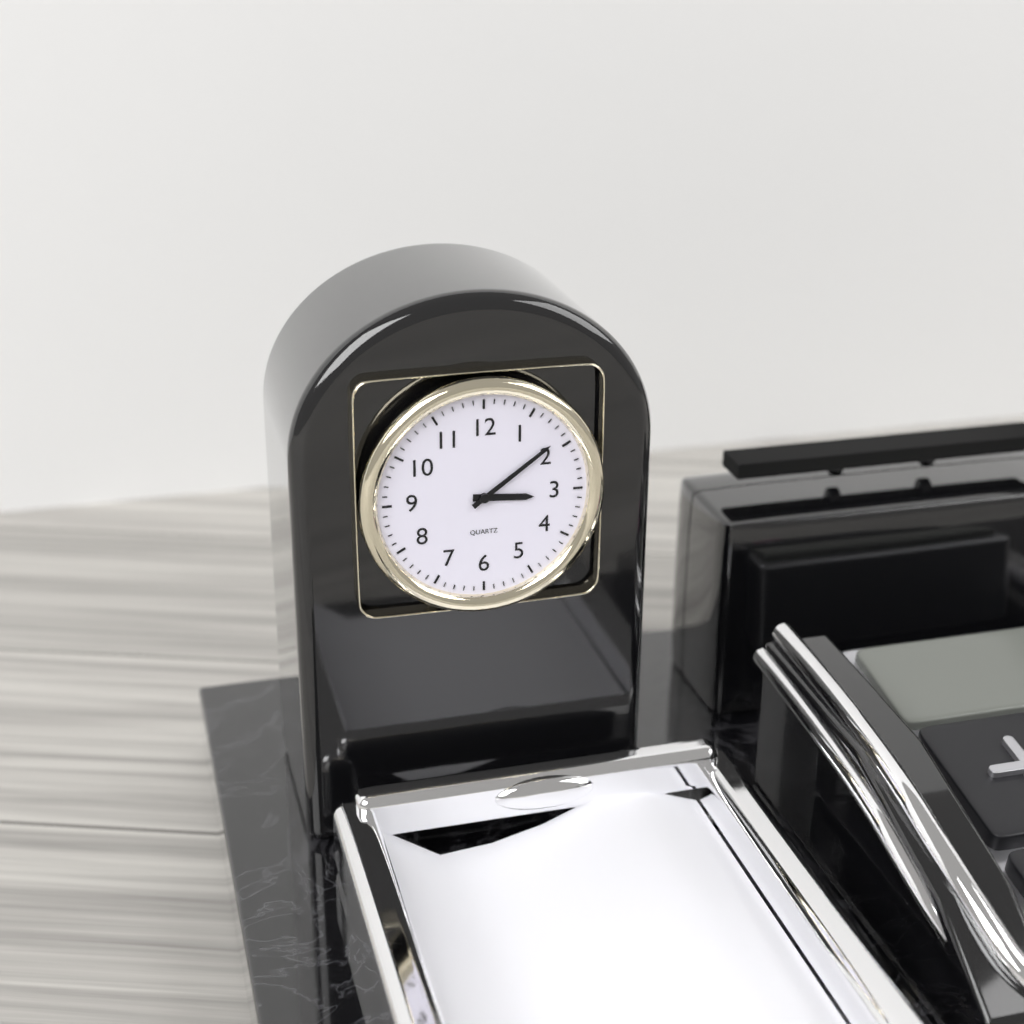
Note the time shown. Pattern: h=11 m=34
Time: h=3 m=9
